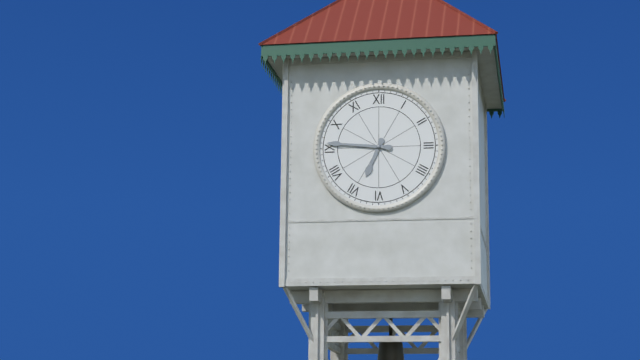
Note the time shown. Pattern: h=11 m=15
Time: h=6 m=46
